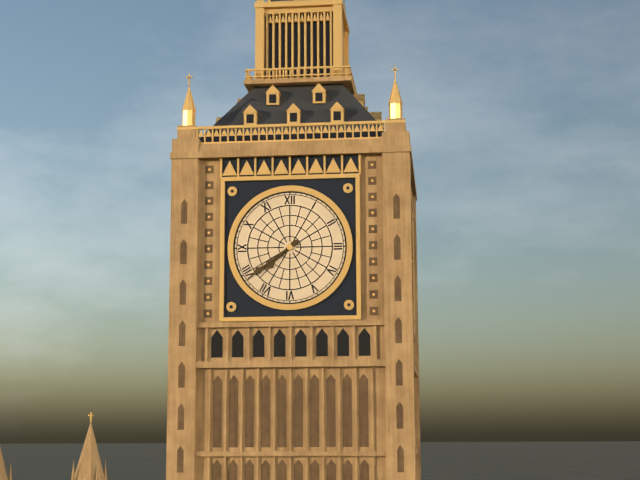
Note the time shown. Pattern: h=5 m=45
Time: h=7 m=39
